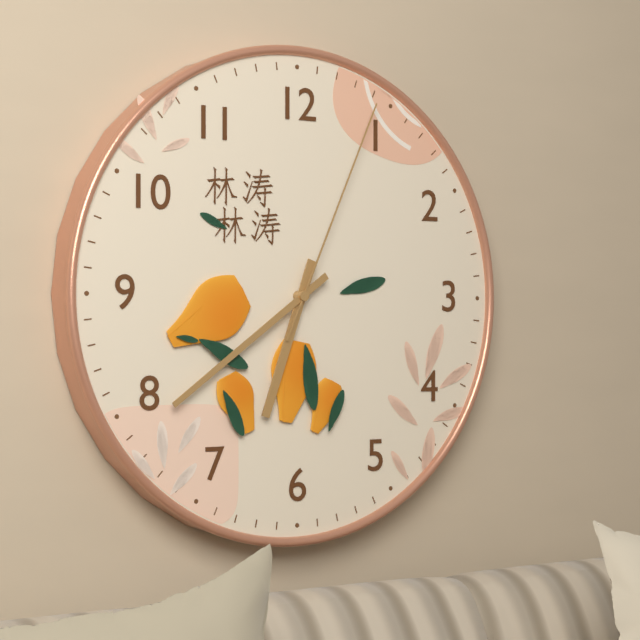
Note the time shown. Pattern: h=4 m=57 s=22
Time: h=6 m=39 s=4
